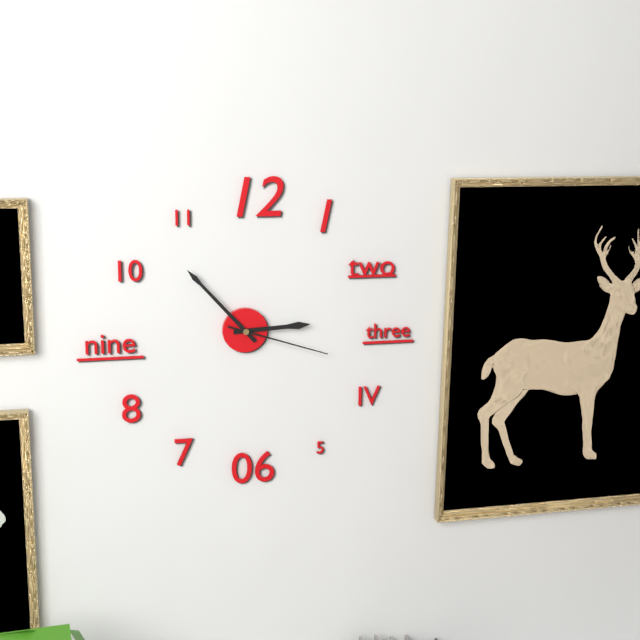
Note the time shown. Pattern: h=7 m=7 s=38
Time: h=2 m=53 s=18
